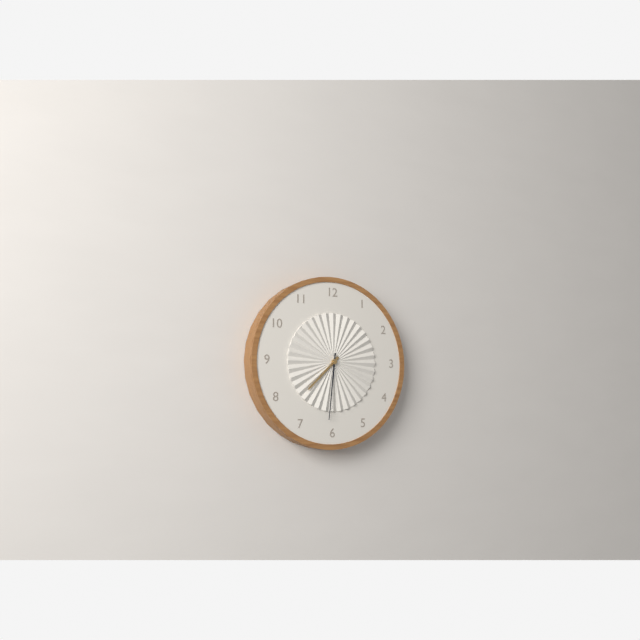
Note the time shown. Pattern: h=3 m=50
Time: h=7 m=31
